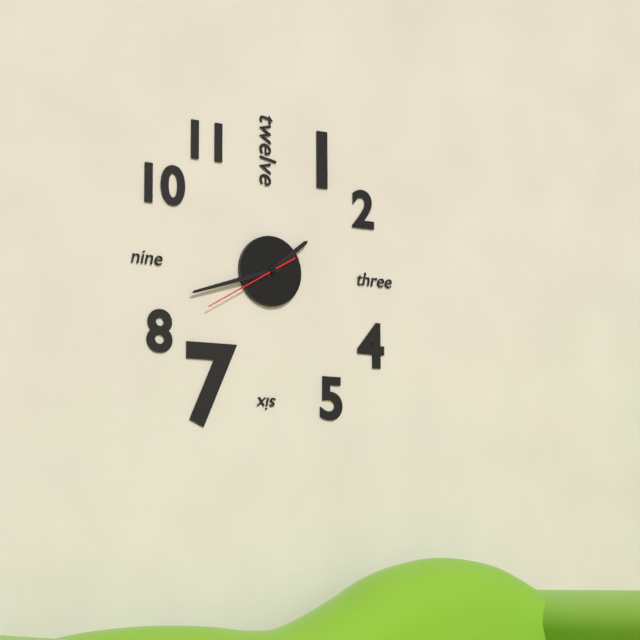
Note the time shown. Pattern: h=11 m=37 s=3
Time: h=1 m=42 s=40
